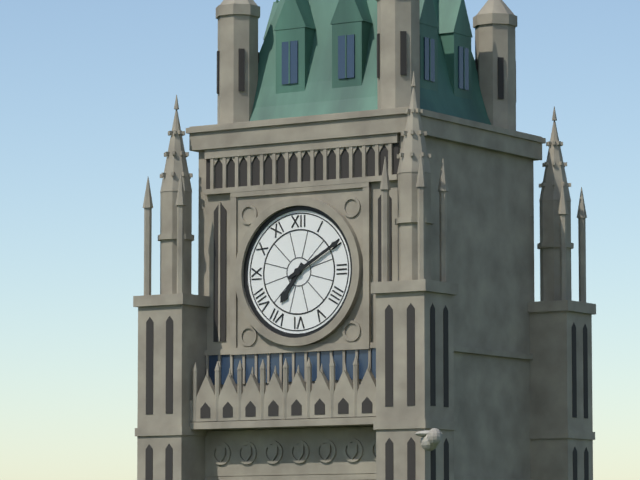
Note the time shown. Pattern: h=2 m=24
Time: h=7 m=10
